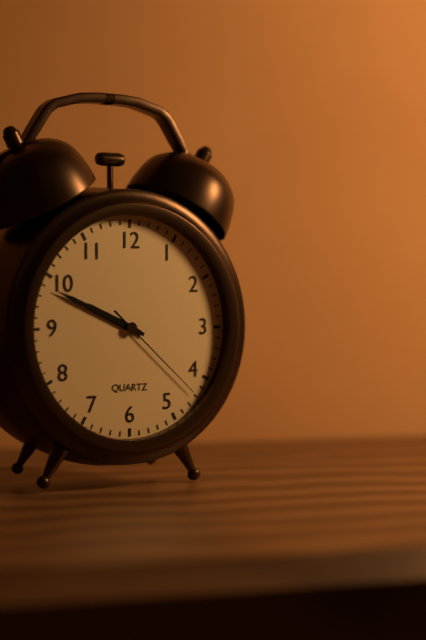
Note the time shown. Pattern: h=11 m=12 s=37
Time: h=9 m=49 s=22
